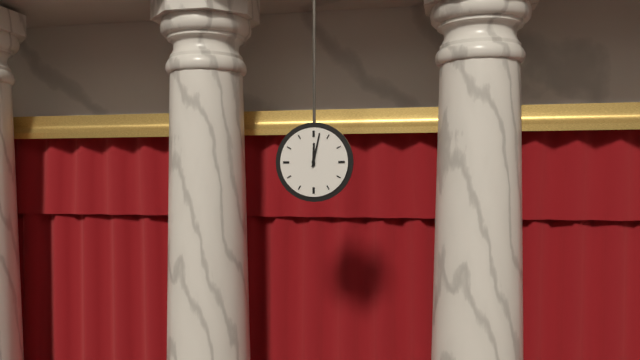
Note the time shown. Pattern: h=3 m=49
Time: h=12 m=2
